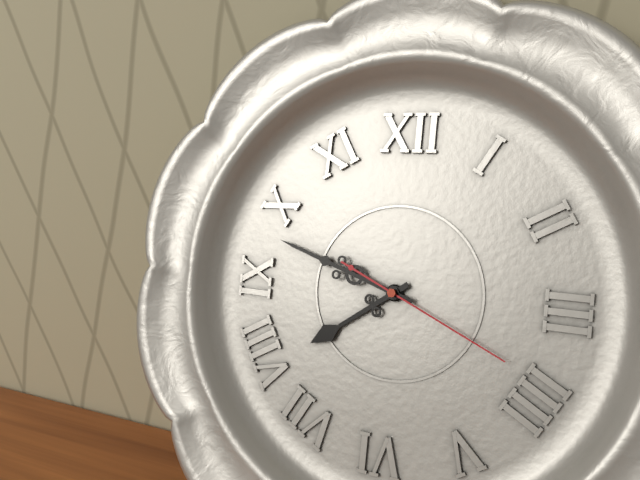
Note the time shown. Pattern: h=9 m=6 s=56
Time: h=7 m=48 s=19
